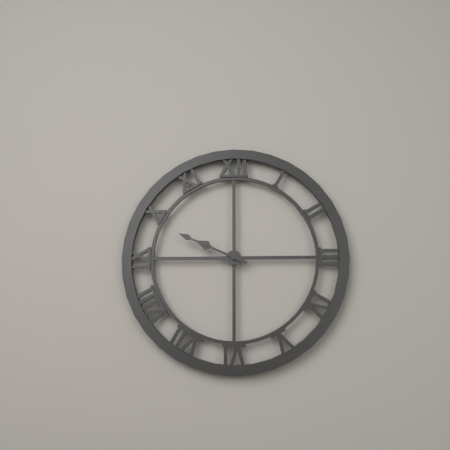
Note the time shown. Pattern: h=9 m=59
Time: h=9 m=49
